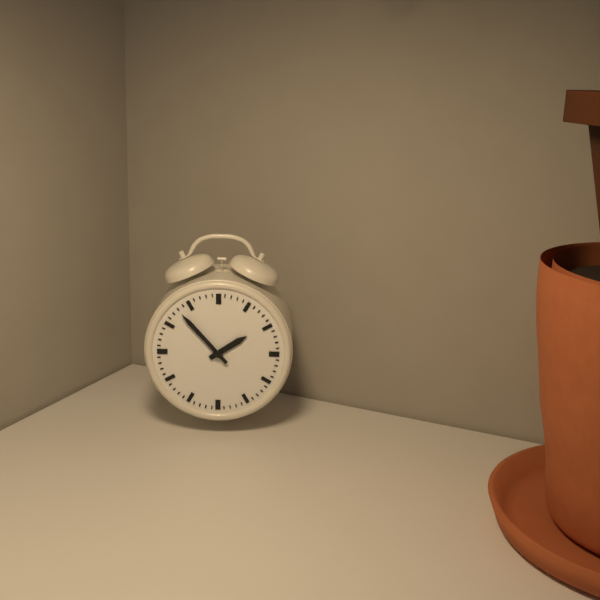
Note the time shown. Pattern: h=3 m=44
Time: h=1 m=53
